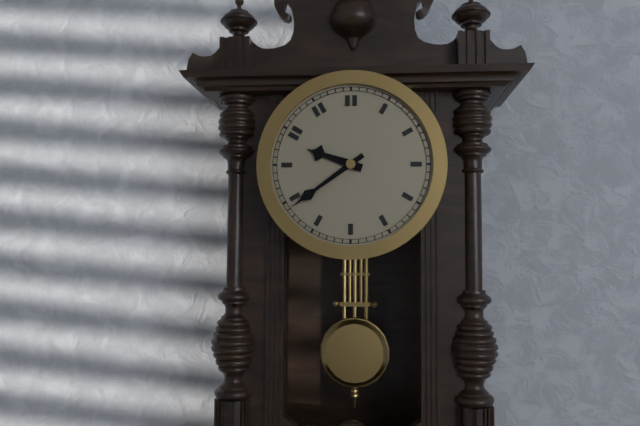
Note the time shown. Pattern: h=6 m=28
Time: h=9 m=39
